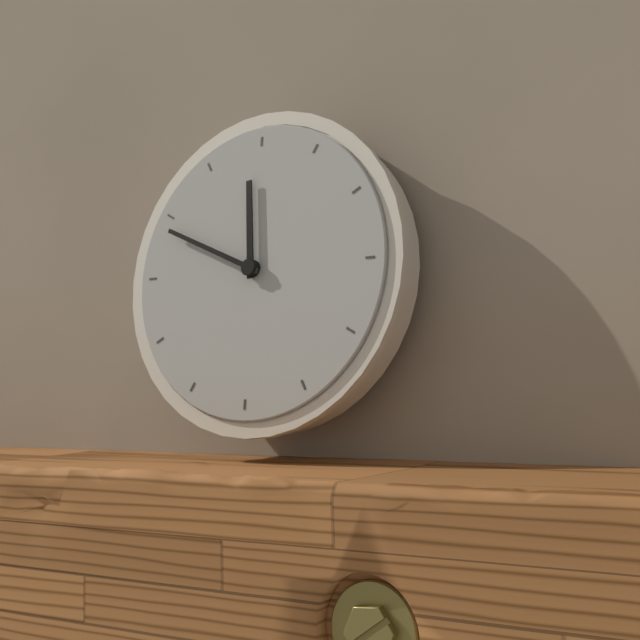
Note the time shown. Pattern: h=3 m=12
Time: h=11 m=49
